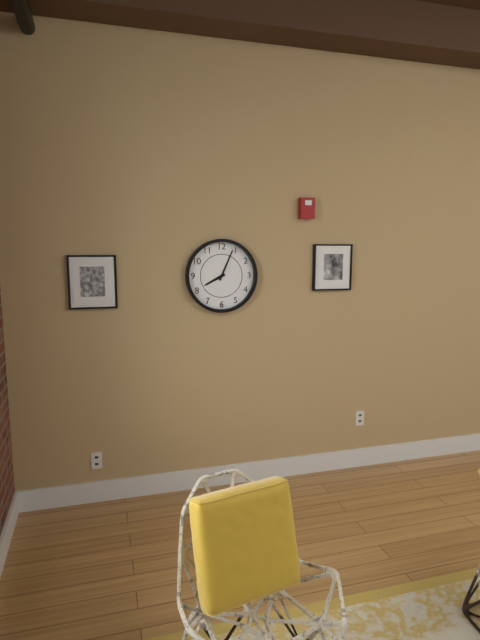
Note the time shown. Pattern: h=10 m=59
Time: h=8 m=4
